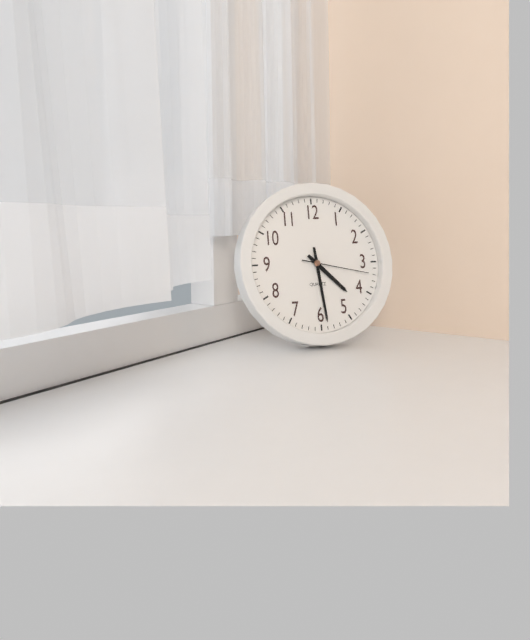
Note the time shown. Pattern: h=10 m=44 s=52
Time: h=4 m=29 s=17
